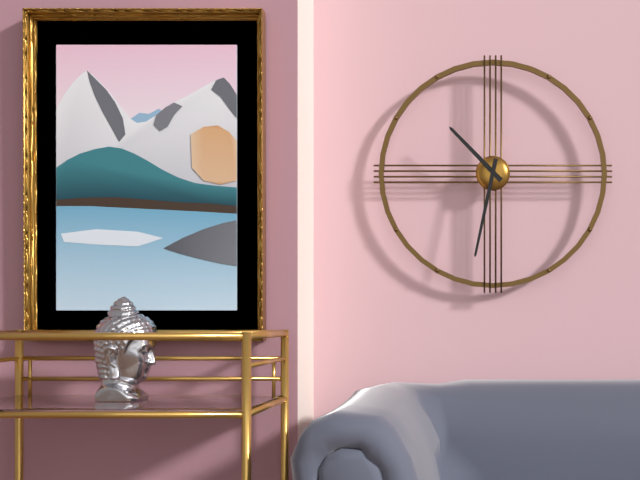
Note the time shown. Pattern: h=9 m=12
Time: h=10 m=32
